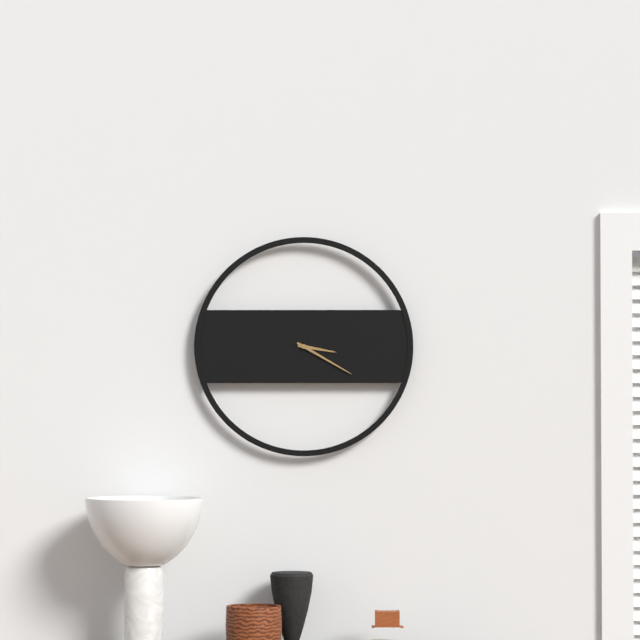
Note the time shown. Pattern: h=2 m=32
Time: h=3 m=20
